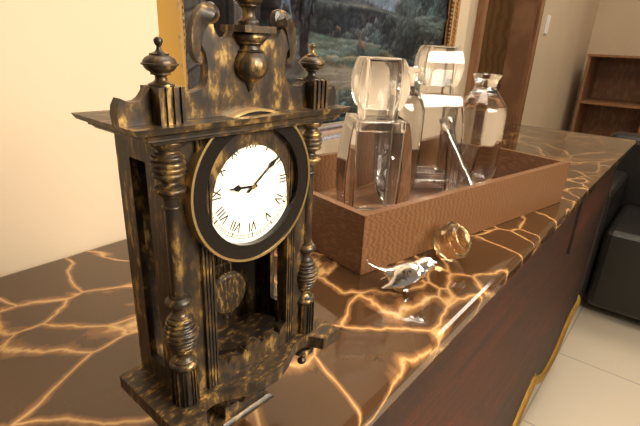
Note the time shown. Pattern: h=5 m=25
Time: h=9 m=9
